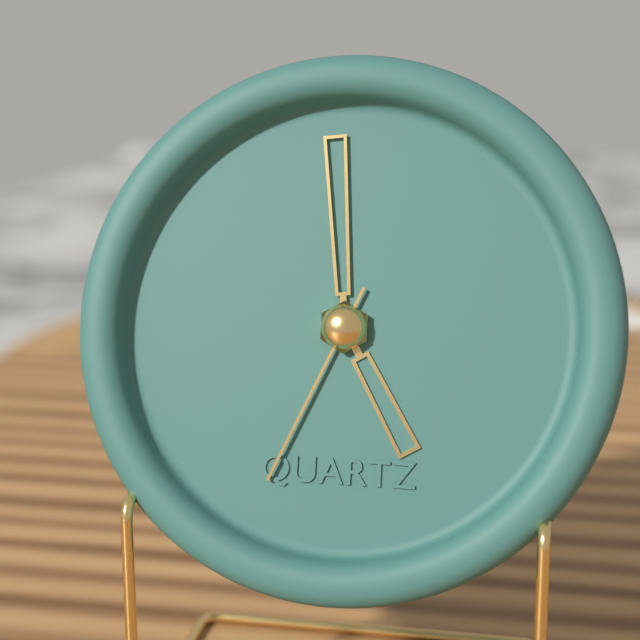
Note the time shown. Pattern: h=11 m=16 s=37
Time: h=4 m=59 s=34
